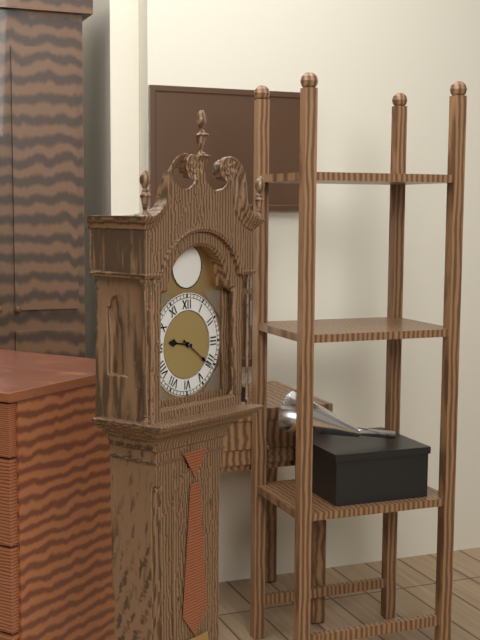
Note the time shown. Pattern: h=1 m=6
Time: h=9 m=21
